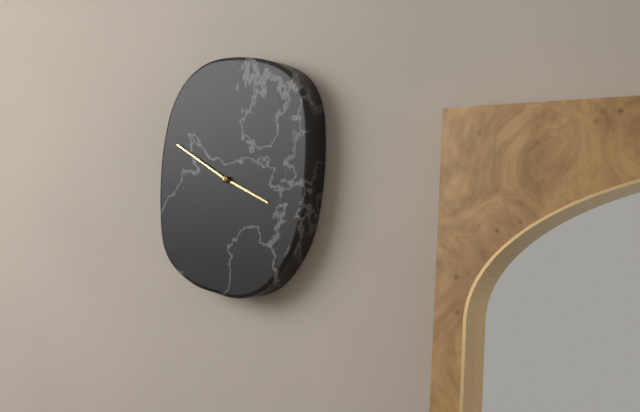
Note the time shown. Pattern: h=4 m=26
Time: h=3 m=50
